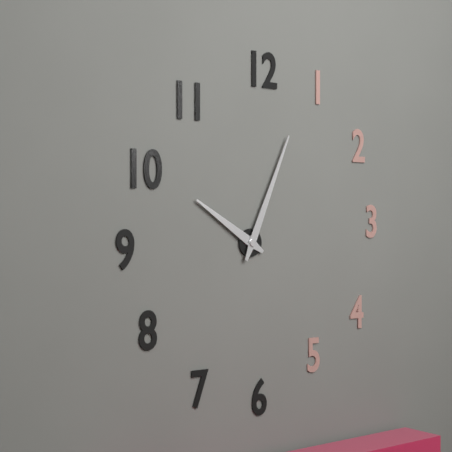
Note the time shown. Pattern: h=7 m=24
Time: h=10 m=4
